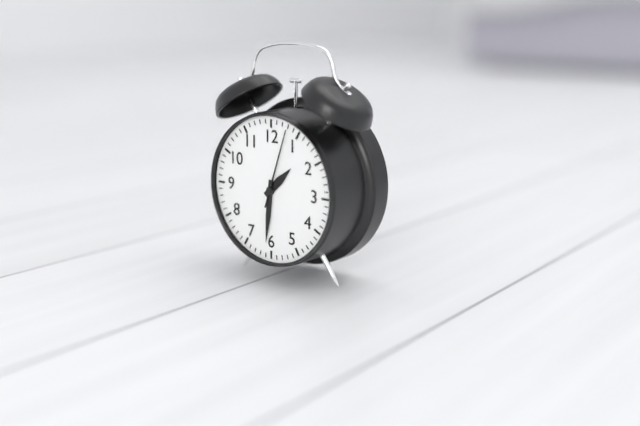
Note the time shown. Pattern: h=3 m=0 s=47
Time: h=1 m=31 s=3
